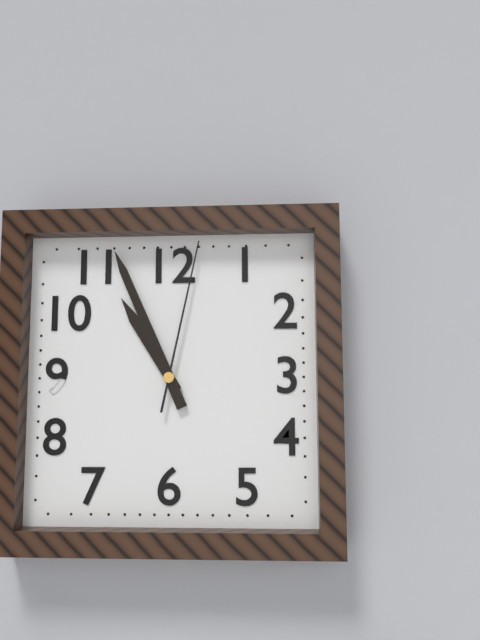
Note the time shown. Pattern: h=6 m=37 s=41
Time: h=10 m=56 s=2
